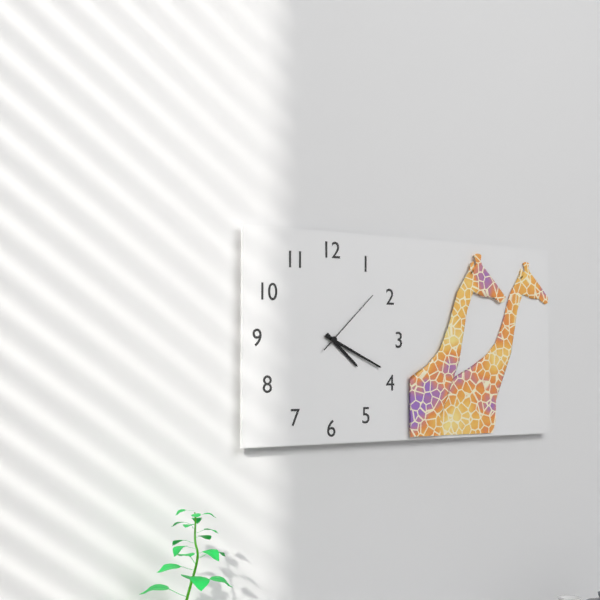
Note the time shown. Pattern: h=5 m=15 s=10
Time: h=4 m=19 s=8
